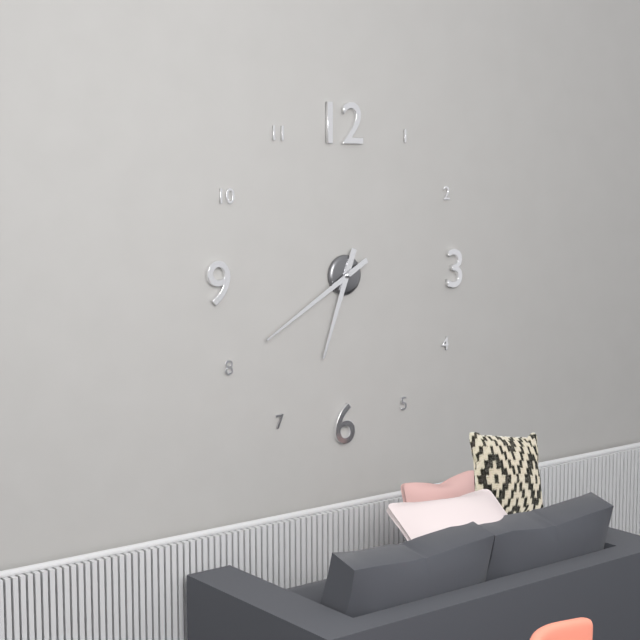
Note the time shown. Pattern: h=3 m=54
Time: h=6 m=40
